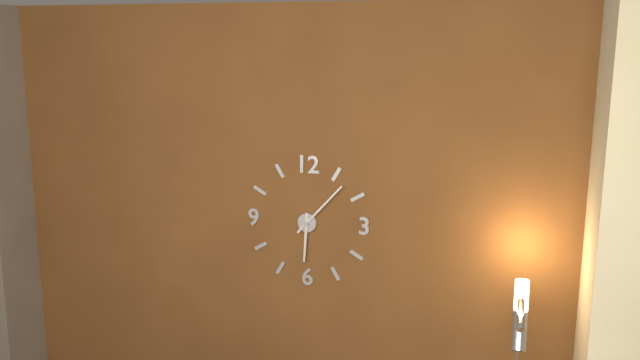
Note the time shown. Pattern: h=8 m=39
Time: h=6 m=7
